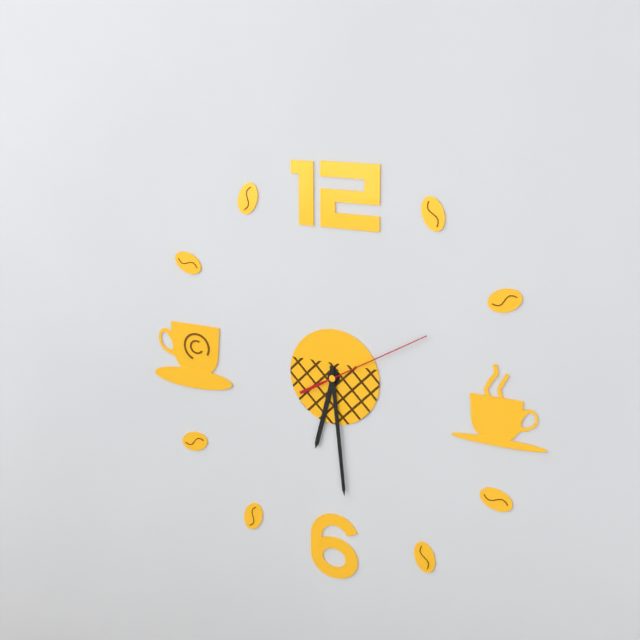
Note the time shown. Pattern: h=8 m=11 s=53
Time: h=6 m=29 s=10
